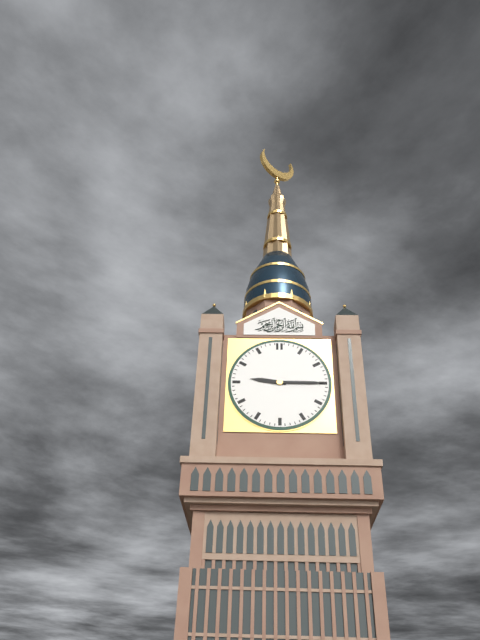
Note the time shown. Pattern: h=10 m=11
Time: h=9 m=15
